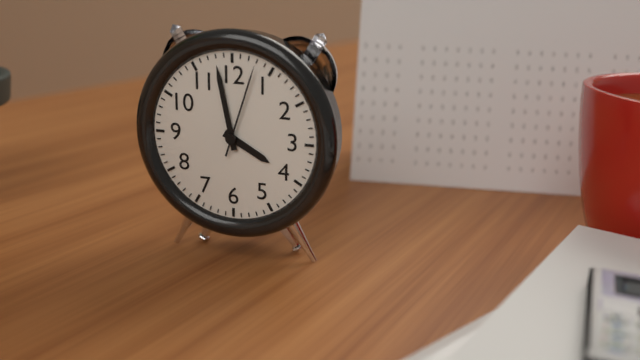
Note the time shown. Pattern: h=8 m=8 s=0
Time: h=3 m=58 s=3
